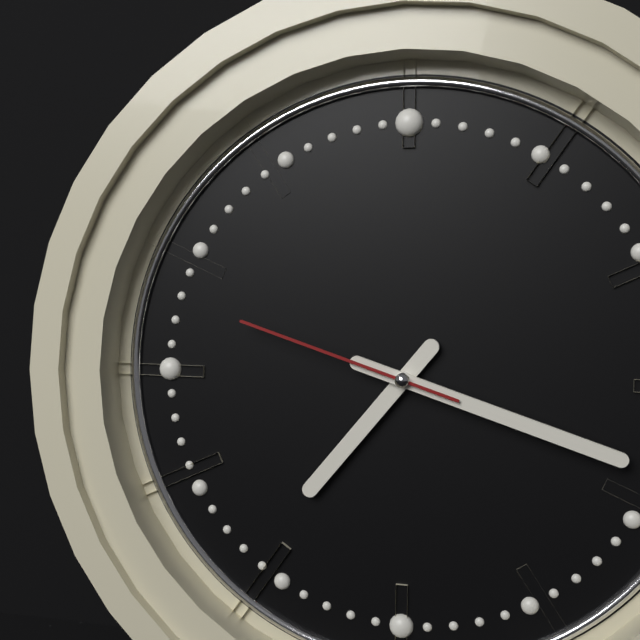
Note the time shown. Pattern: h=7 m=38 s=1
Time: h=7 m=18 s=48
